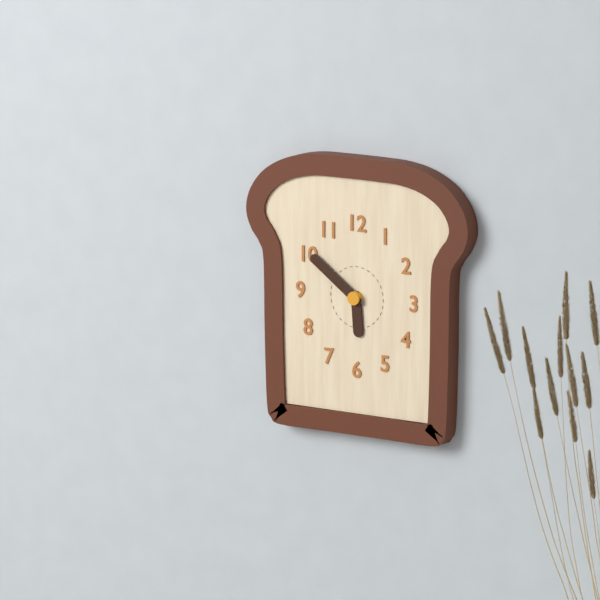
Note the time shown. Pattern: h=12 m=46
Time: h=5 m=51
